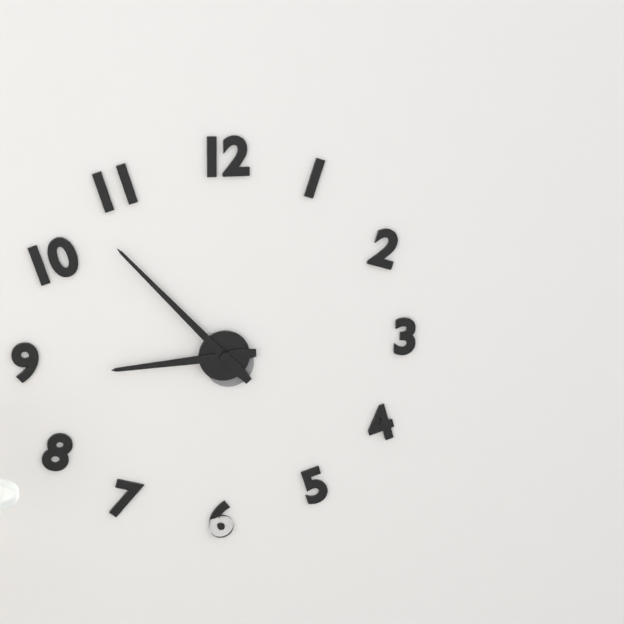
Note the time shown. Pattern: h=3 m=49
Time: h=8 m=53
